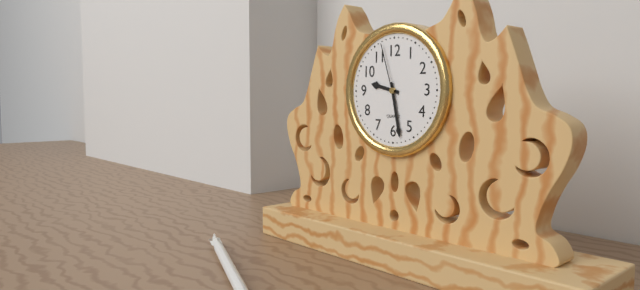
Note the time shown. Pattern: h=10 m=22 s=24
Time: h=9 m=28 s=57
